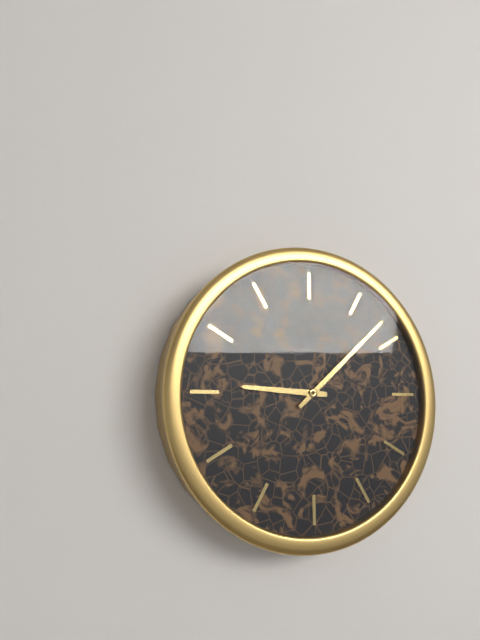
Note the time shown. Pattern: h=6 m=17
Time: h=9 m=8
